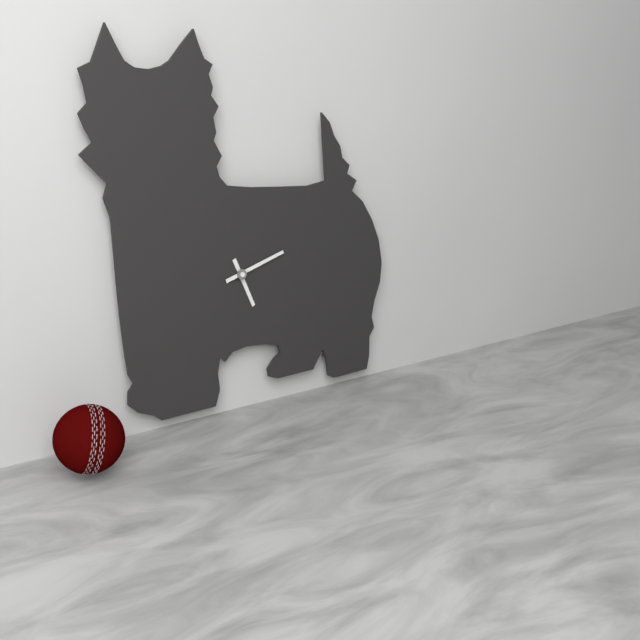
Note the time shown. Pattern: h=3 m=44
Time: h=5 m=12
